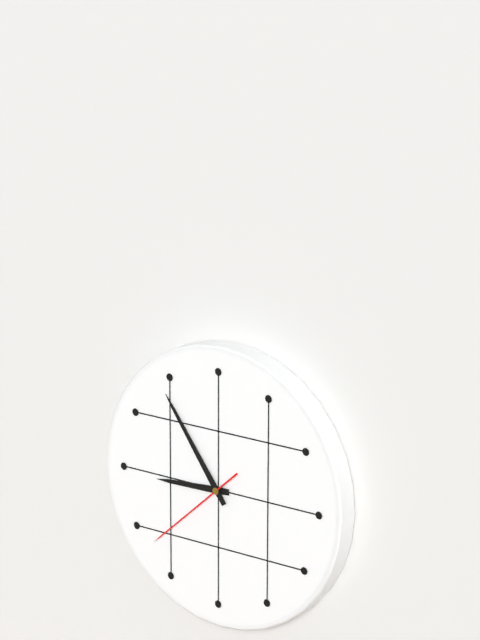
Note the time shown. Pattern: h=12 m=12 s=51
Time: h=8 m=54 s=38
